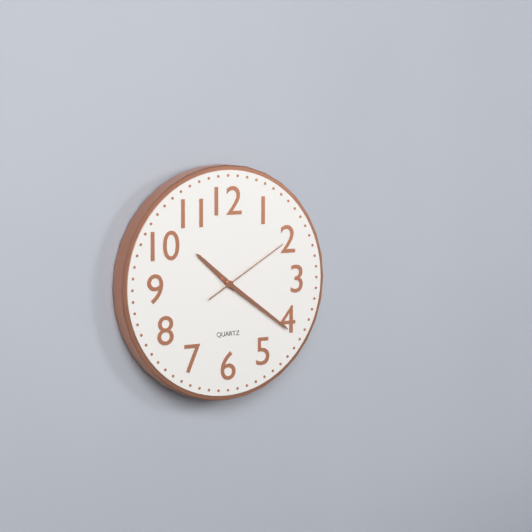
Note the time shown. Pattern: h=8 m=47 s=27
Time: h=10 m=21 s=10
